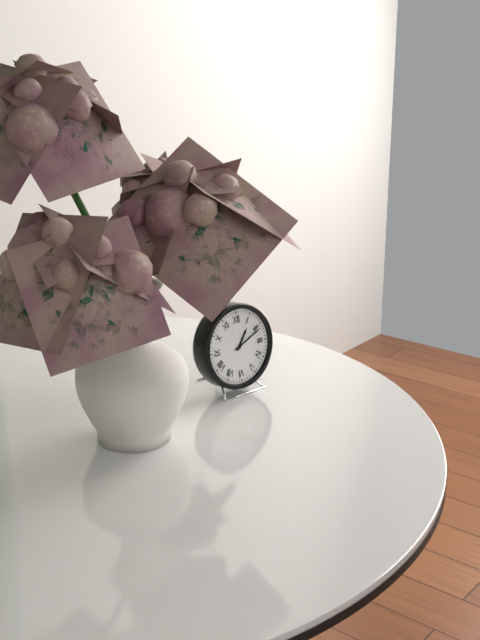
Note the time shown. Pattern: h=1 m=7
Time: h=1 m=11
